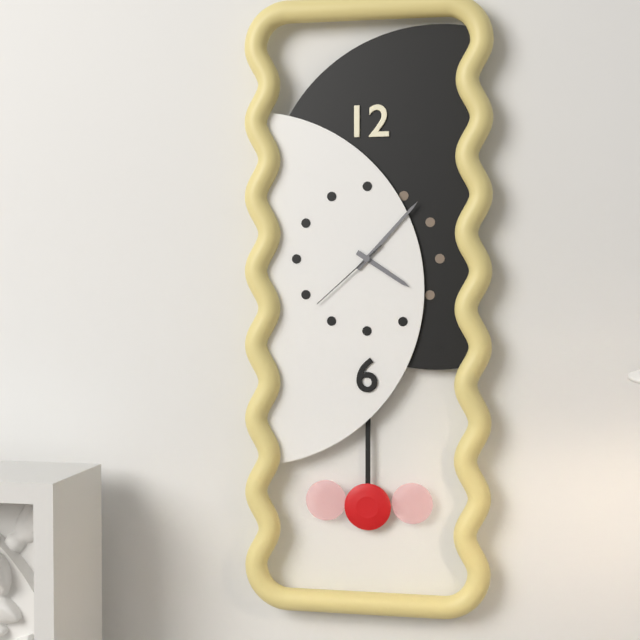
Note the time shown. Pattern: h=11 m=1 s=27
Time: h=4 m=7 s=38
